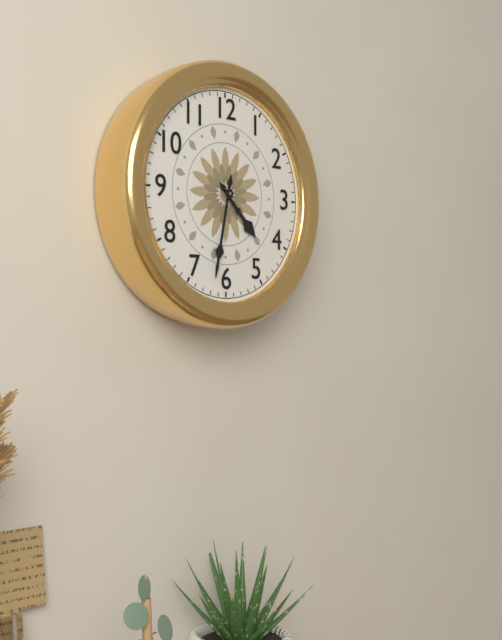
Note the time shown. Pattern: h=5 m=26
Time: h=4 m=32
